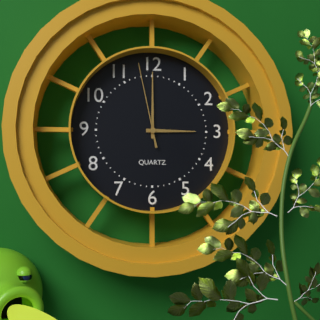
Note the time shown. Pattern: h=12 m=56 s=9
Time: h=3 m=0 s=58
